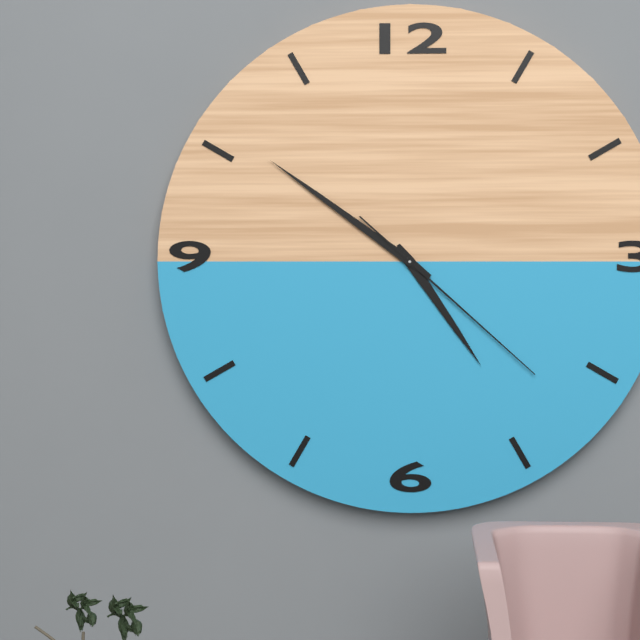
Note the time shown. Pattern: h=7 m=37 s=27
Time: h=4 m=51 s=22
